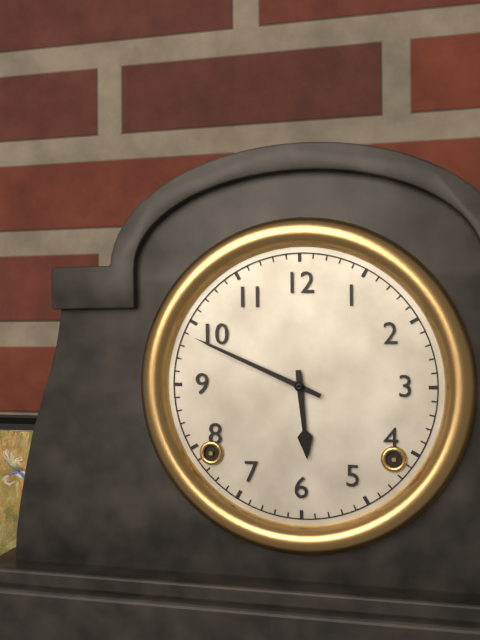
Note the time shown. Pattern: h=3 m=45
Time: h=5 m=49
